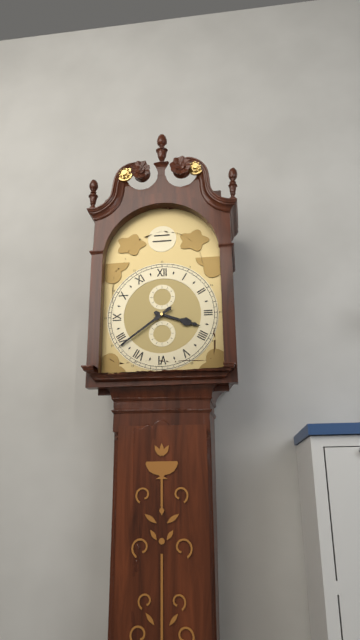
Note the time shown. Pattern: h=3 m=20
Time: h=3 m=39
